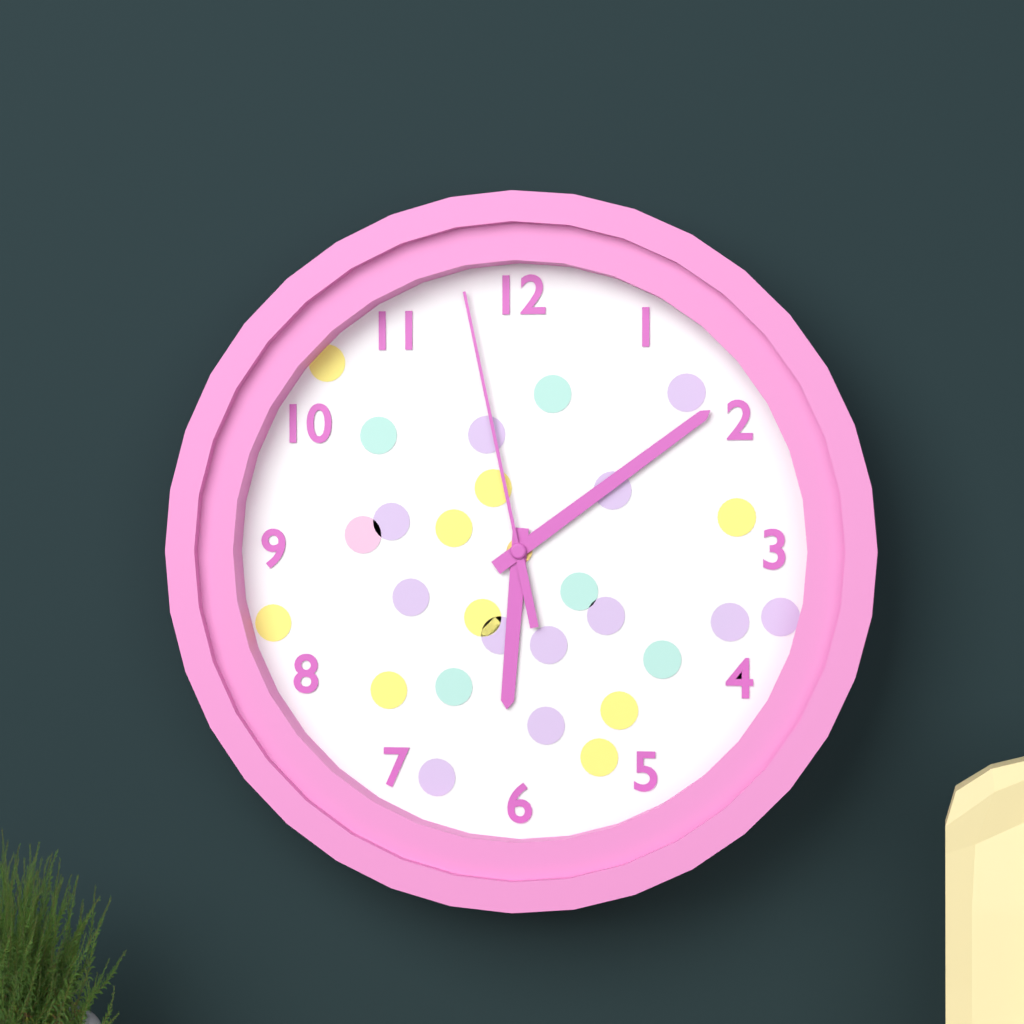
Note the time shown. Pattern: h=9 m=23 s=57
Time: h=6 m=9 s=58
